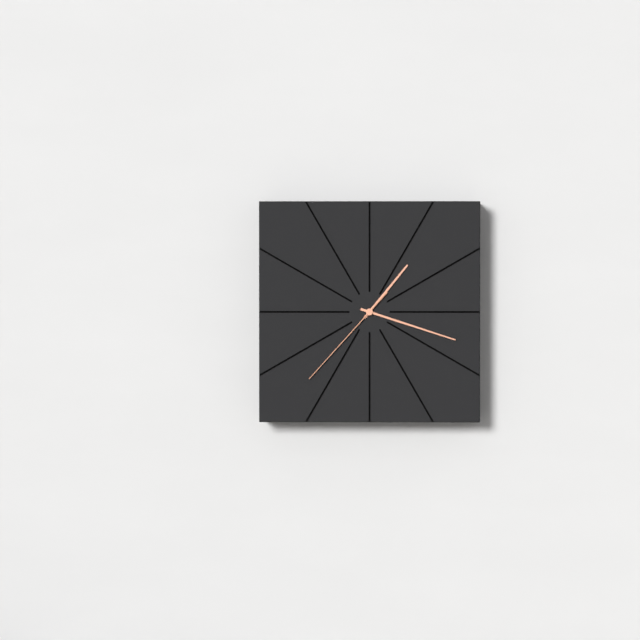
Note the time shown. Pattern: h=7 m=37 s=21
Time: h=1 m=18 s=37
